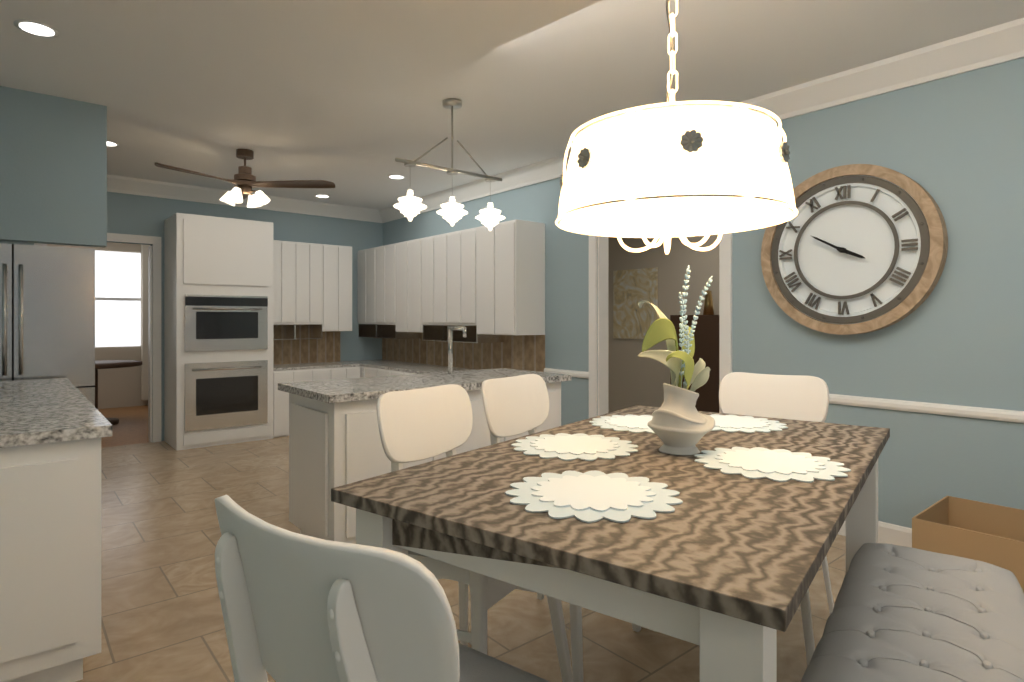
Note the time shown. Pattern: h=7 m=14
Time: h=3 m=50
